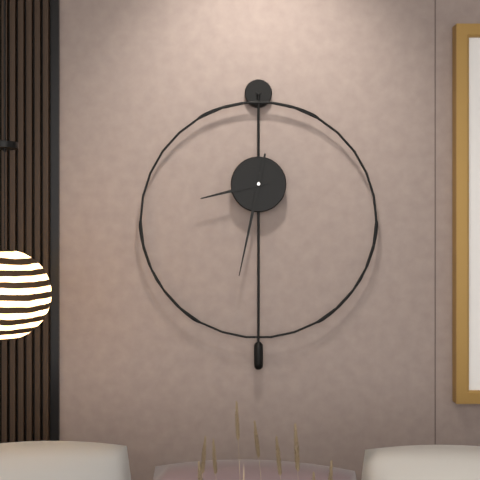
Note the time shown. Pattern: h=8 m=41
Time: h=8 m=32
